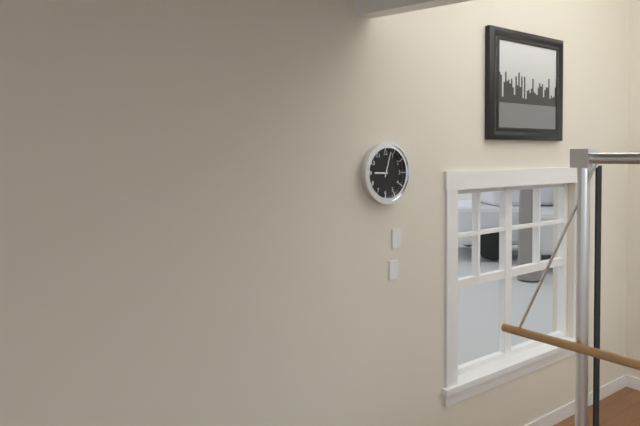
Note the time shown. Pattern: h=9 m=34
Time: h=9 m=3
